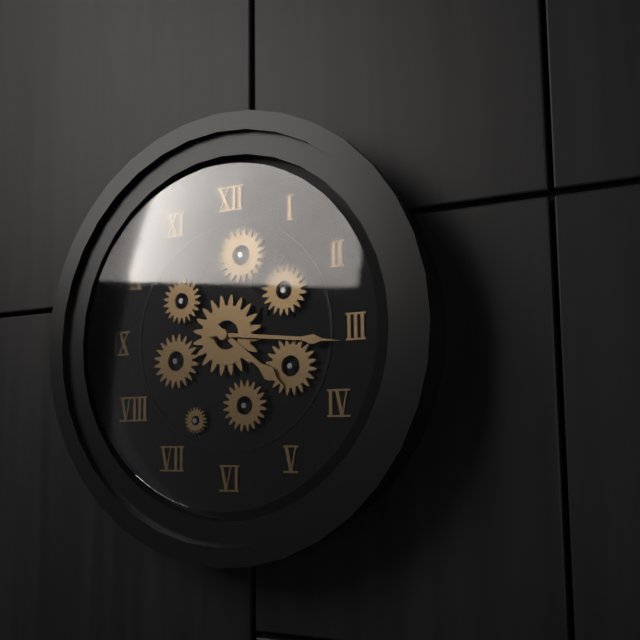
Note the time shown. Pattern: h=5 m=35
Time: h=4 m=16
